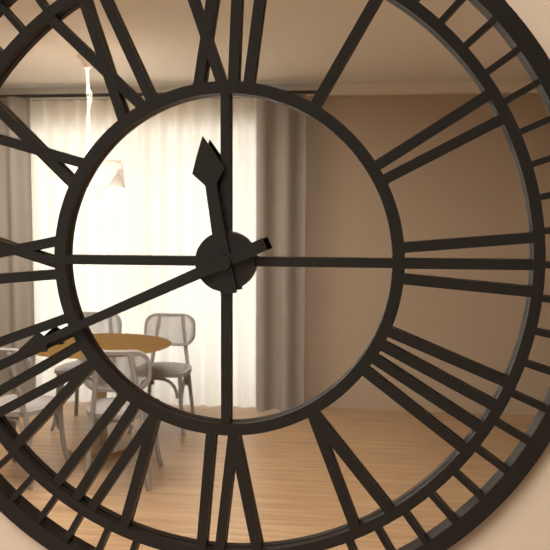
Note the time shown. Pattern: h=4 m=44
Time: h=11 m=41
